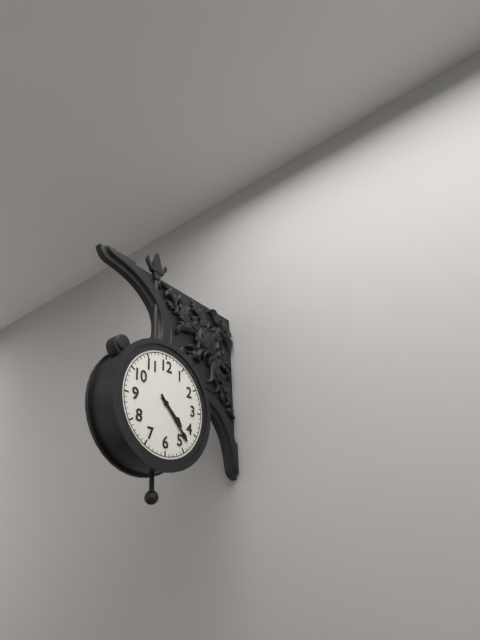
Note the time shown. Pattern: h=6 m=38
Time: h=4 m=23
